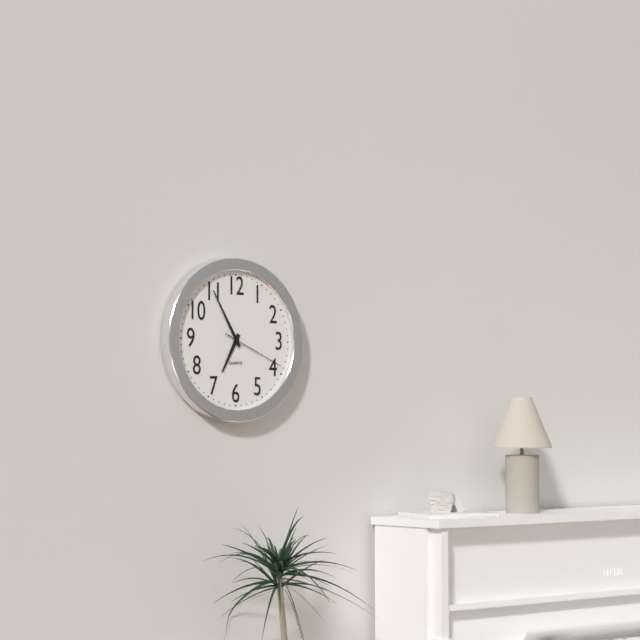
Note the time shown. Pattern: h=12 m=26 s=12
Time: h=6 m=55 s=19
